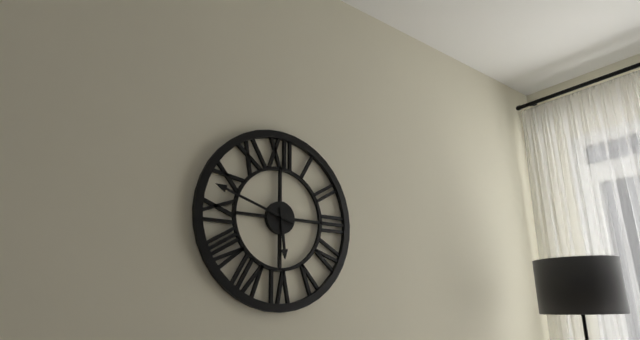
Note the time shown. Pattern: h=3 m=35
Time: h=5 m=48
